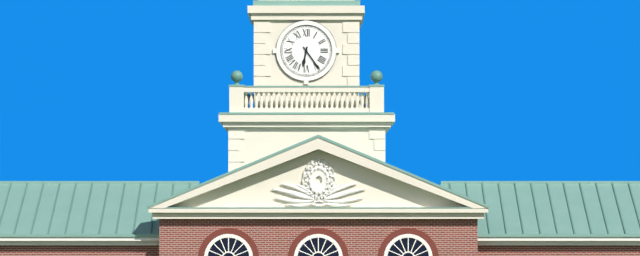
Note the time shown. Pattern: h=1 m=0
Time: h=6 m=24
